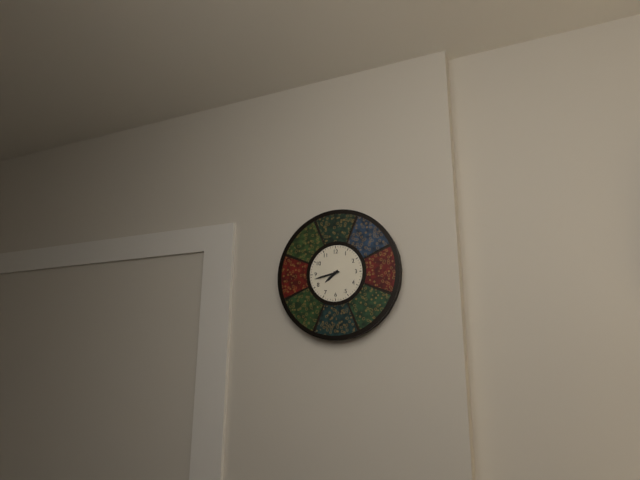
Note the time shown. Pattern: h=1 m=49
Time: h=7 m=43
